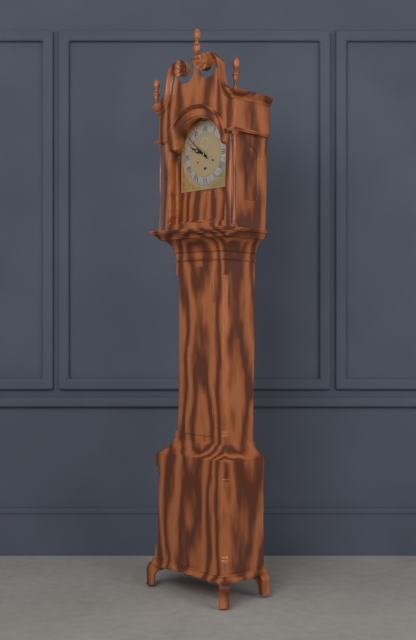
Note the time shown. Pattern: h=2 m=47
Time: h=9 m=52
